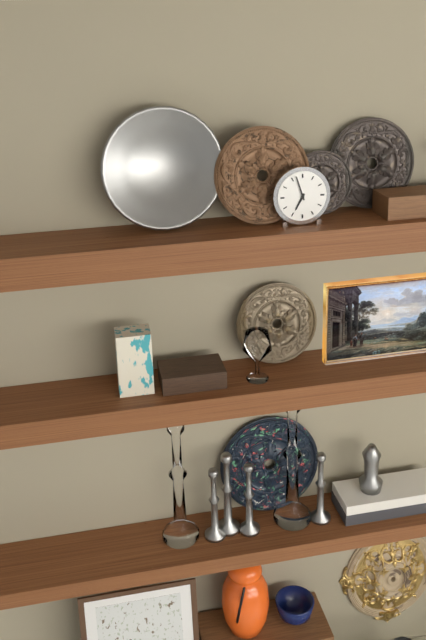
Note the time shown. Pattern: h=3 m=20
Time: h=6 m=57
